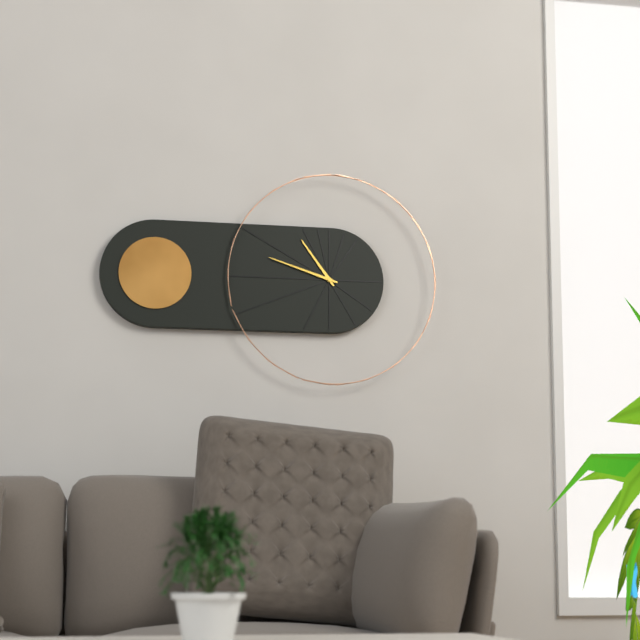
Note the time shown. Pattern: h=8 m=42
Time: h=10 m=48
